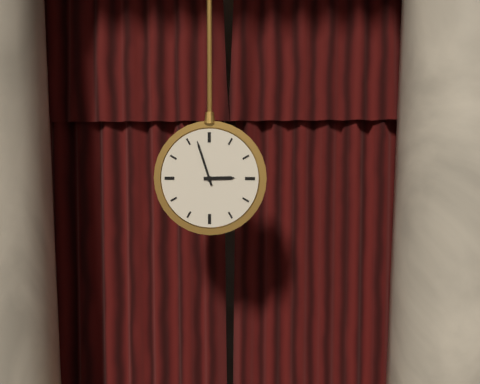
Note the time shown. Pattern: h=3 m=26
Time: h=2 m=57
